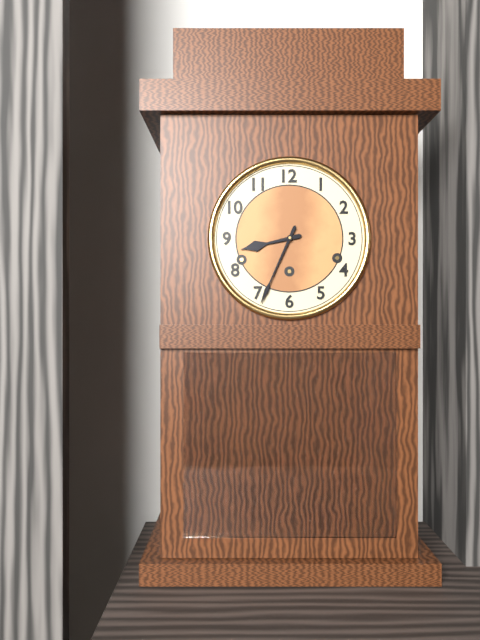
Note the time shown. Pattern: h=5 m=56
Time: h=8 m=34
